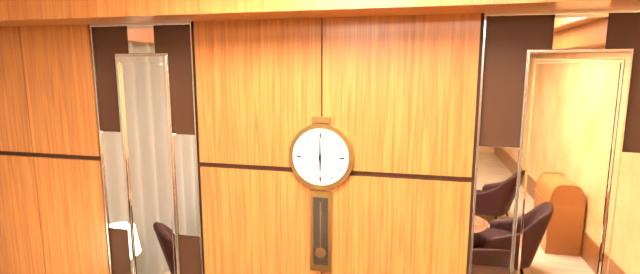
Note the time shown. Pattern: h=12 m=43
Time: h=6 m=0
